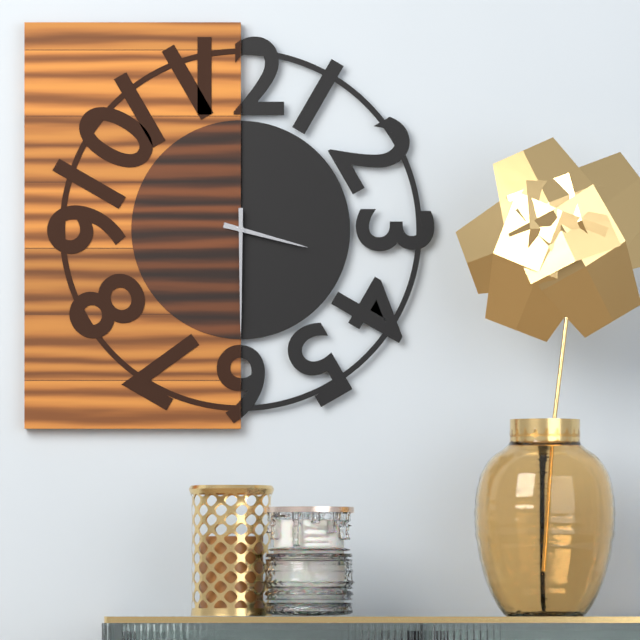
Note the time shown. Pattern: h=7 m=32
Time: h=3 m=30
